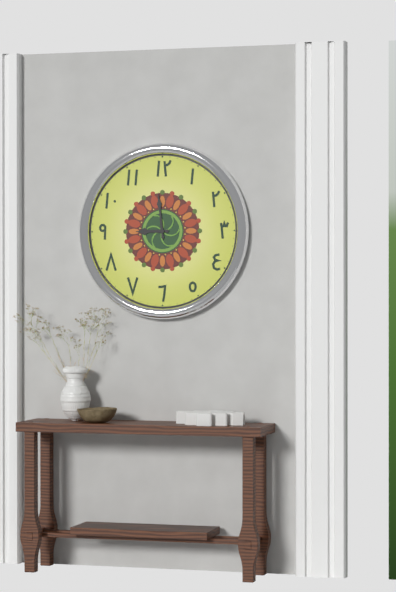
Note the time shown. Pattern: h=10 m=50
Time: h=8 m=59
